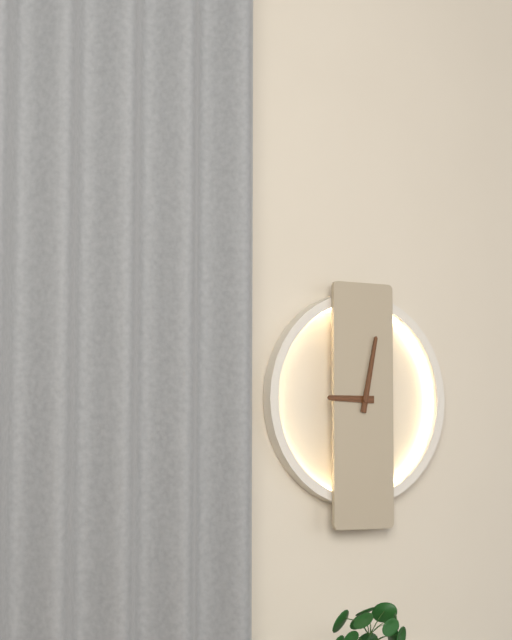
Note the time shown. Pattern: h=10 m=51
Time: h=9 m=2
